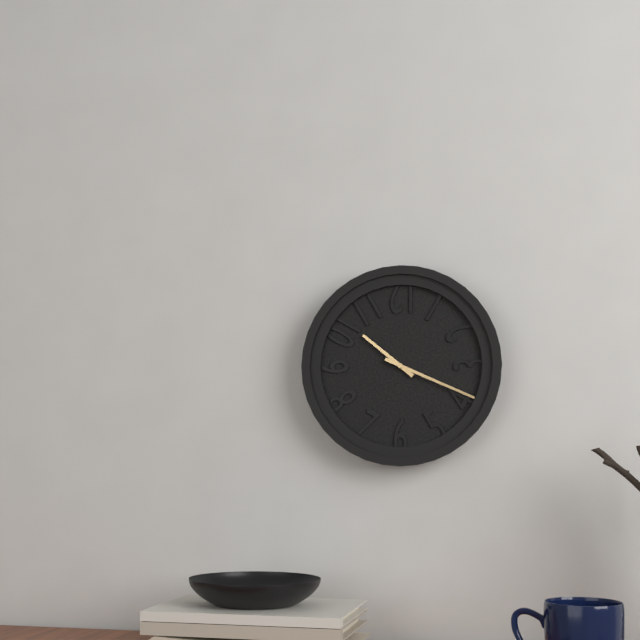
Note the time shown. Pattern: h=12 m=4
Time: h=10 m=19
